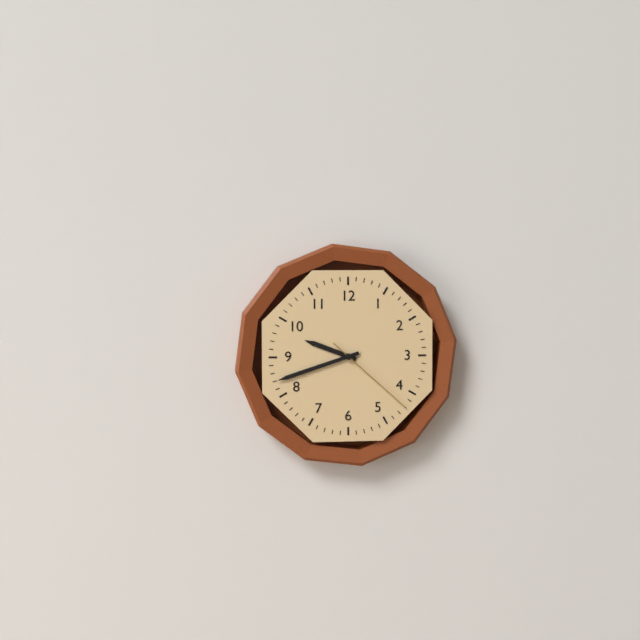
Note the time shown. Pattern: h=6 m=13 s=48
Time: h=9 m=42 s=22
